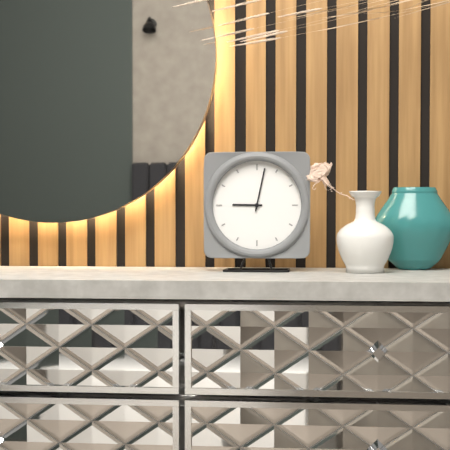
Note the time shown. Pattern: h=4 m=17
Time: h=9 m=2
